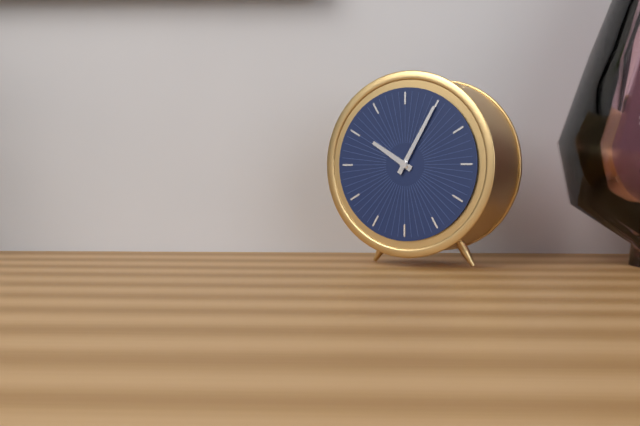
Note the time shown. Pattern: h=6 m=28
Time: h=10 m=5
